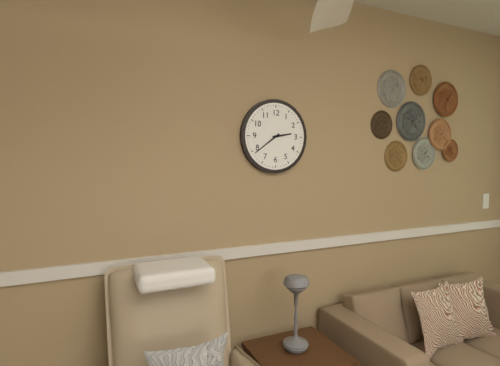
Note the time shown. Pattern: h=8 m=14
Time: h=2 m=39
